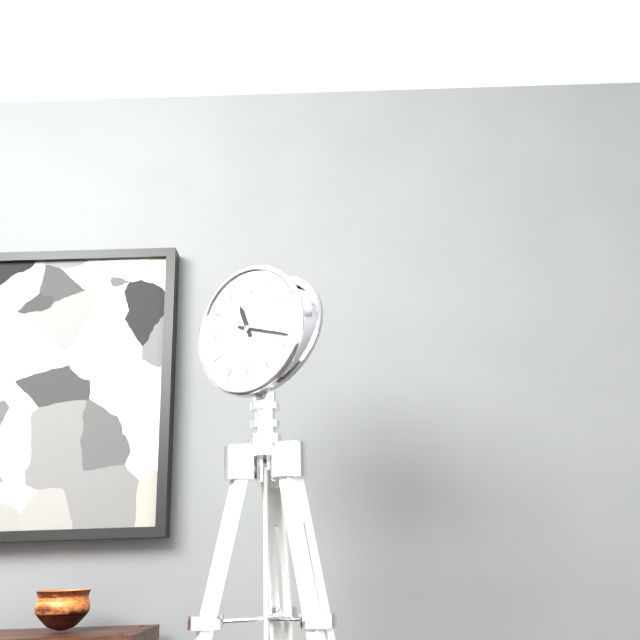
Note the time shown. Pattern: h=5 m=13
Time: h=11 m=18
